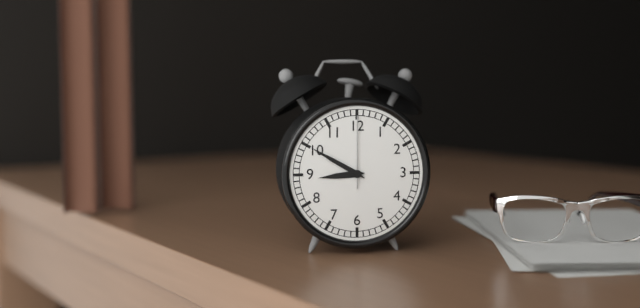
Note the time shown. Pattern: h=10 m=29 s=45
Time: h=8 m=50 s=0
